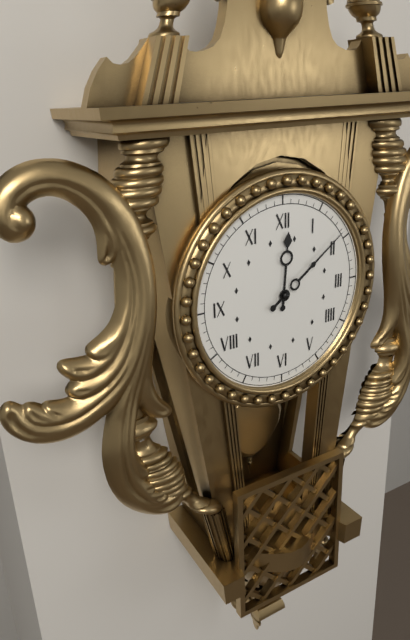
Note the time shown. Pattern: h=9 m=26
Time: h=12 m=9
